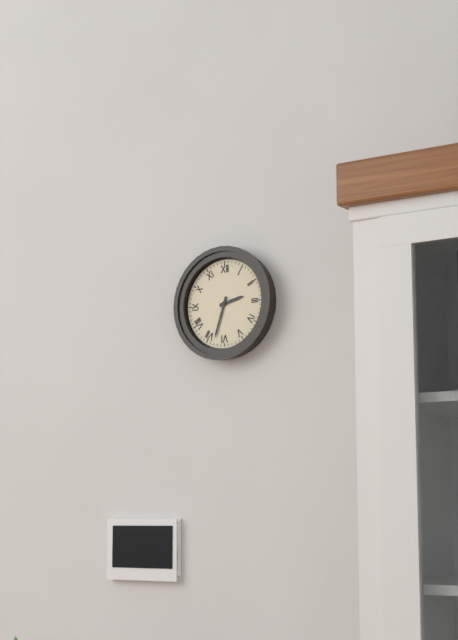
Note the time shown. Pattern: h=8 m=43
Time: h=2 m=33
